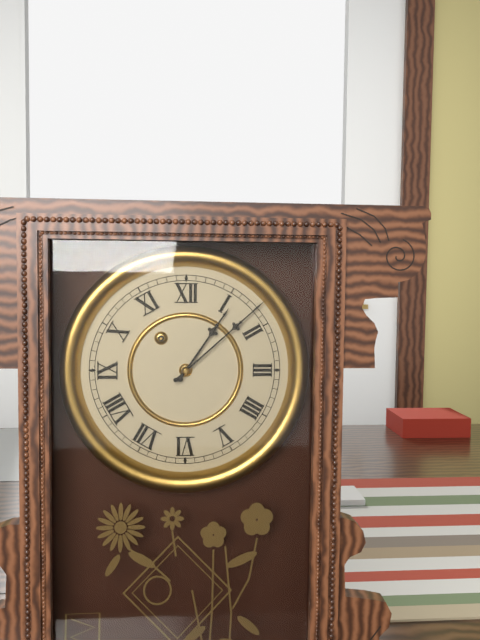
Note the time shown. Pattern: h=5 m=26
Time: h=1 m=8
